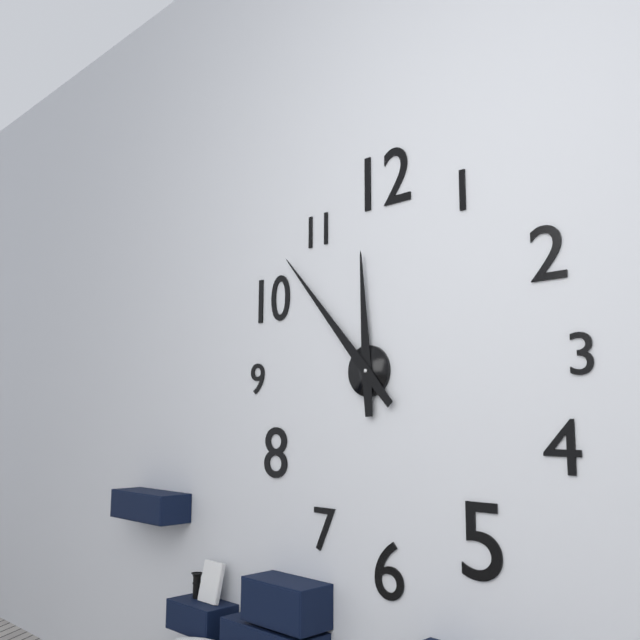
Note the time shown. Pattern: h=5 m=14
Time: h=11 m=53
